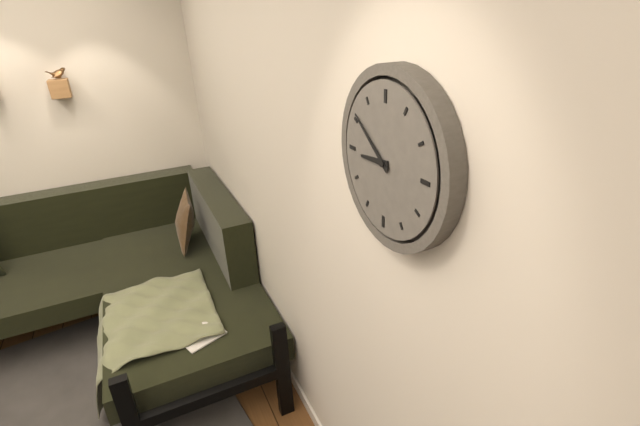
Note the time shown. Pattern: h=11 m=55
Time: h=8 m=51
